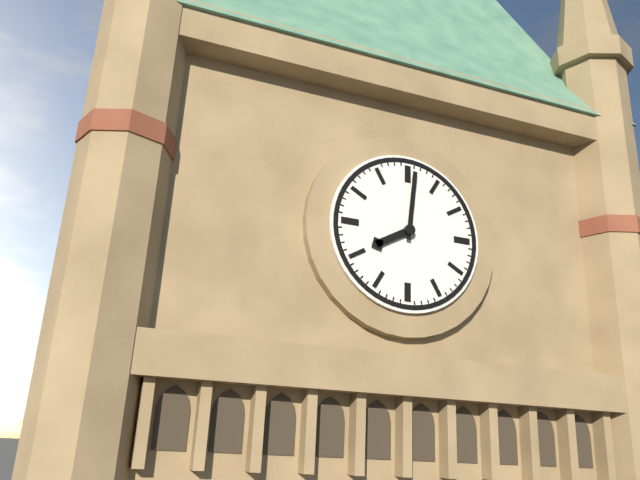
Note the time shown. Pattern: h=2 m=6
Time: h=8 m=1
